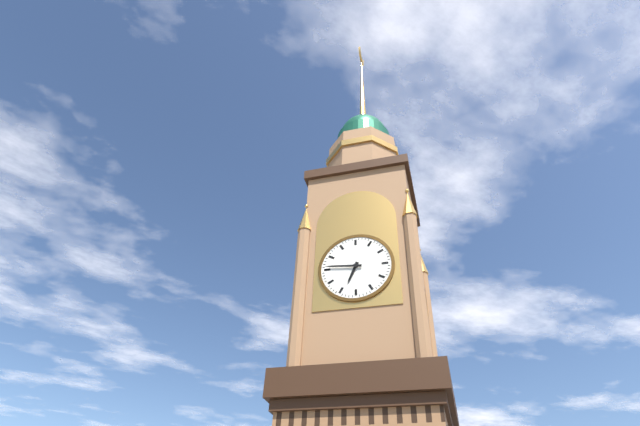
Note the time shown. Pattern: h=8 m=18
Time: h=6 m=46
